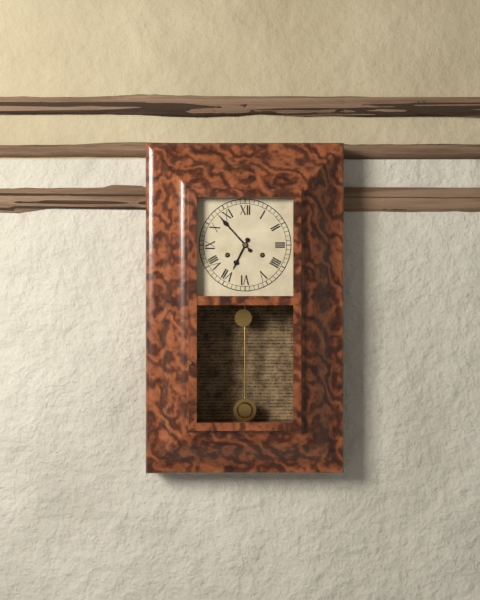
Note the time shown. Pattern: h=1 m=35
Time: h=6 m=53
